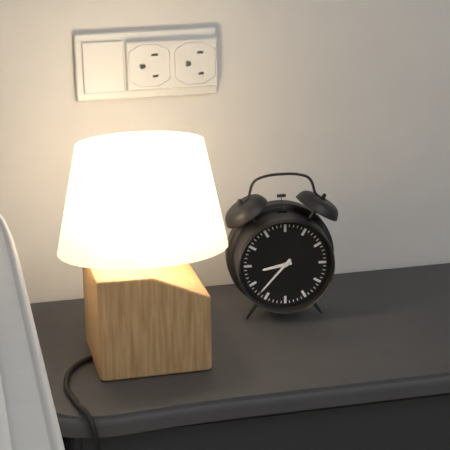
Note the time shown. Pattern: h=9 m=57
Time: h=8 m=37
